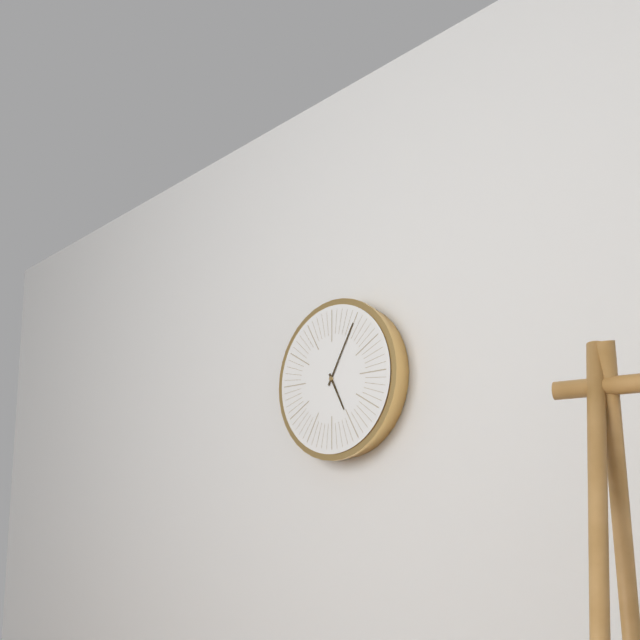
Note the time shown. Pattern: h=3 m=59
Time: h=5 m=5
